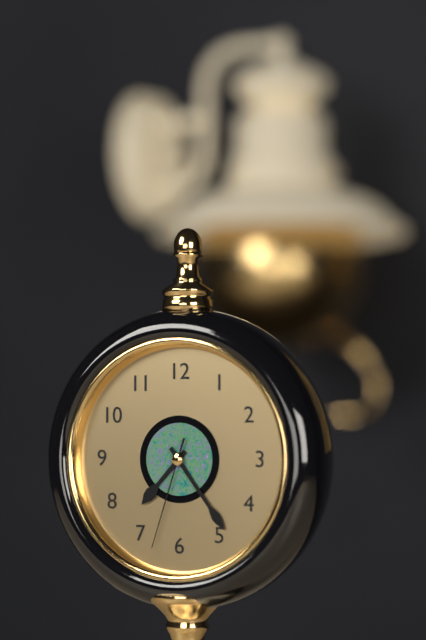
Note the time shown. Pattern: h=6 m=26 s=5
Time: h=7 m=24 s=33
